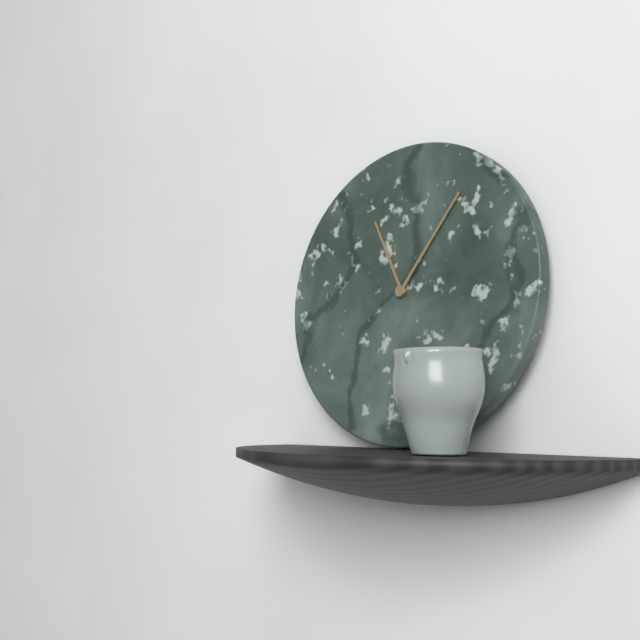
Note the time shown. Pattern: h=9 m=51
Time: h=11 m=6
